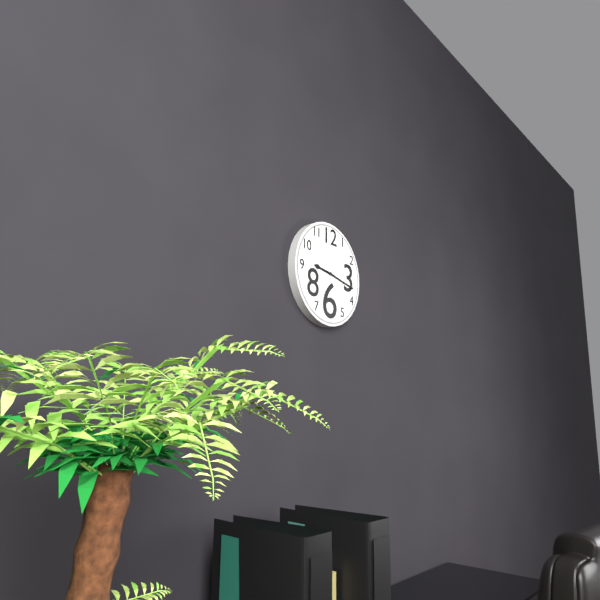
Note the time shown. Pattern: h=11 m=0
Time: h=9 m=17
